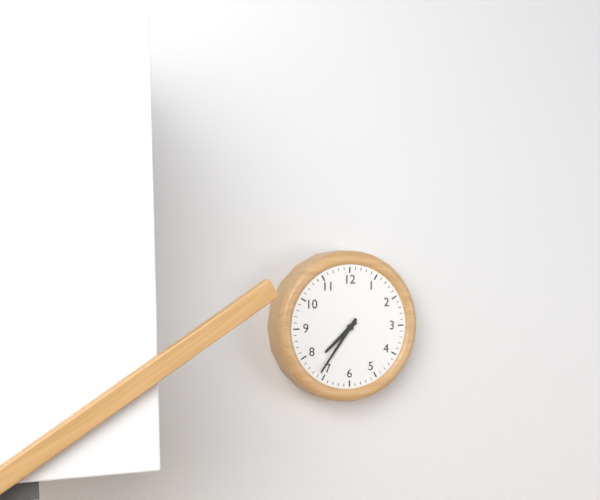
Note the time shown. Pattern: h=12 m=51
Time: h=7 m=36
